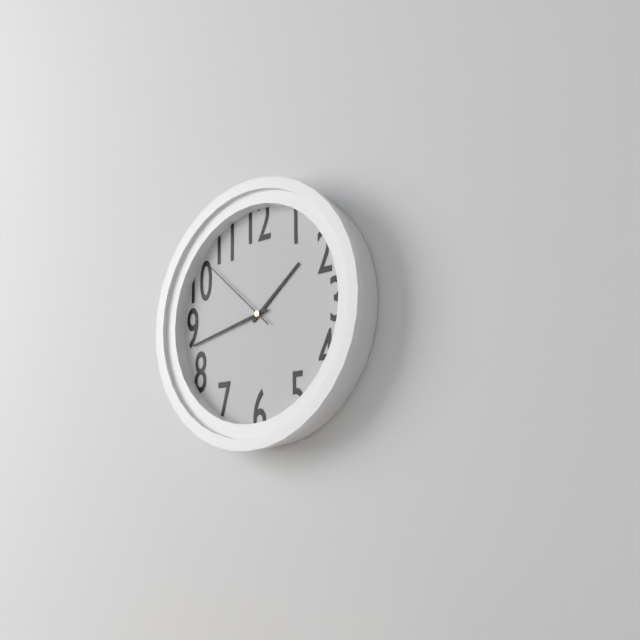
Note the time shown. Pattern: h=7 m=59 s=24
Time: h=1 m=43 s=52
